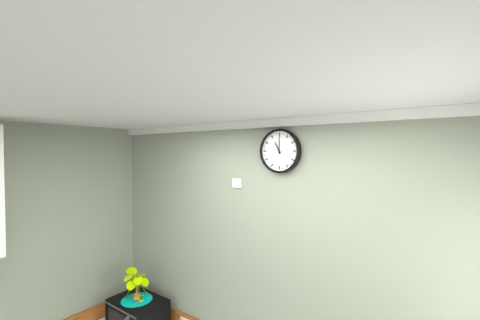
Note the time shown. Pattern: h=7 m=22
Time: h=11 m=0
